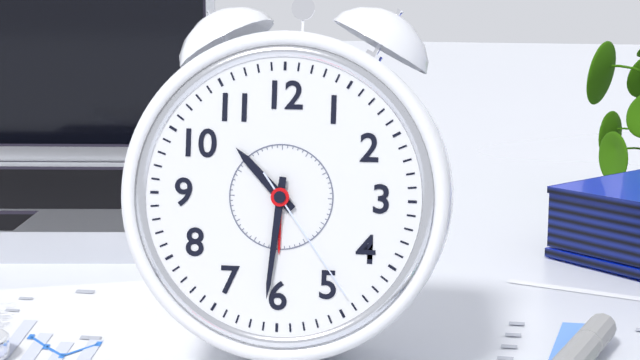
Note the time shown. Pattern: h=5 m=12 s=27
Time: h=10 m=31 s=24
